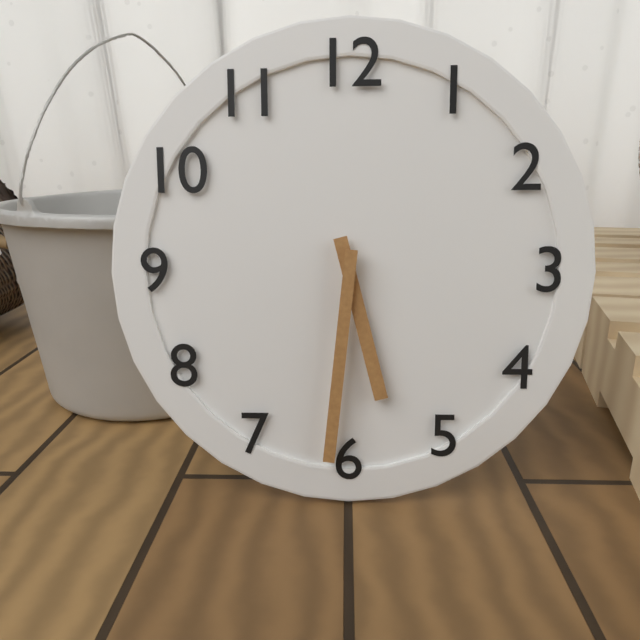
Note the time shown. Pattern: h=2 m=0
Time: h=5 m=31
